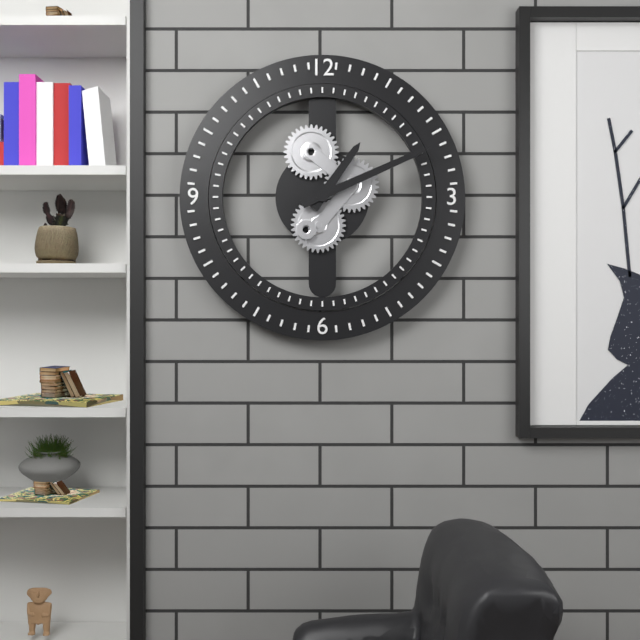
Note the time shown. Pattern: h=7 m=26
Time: h=1 m=11
